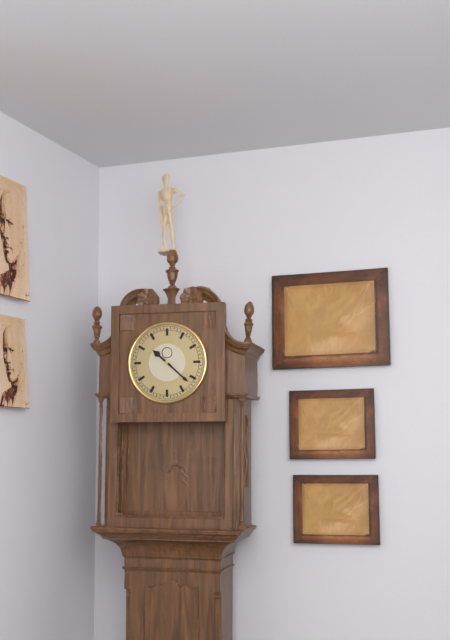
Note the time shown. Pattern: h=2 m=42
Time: h=10 m=22
